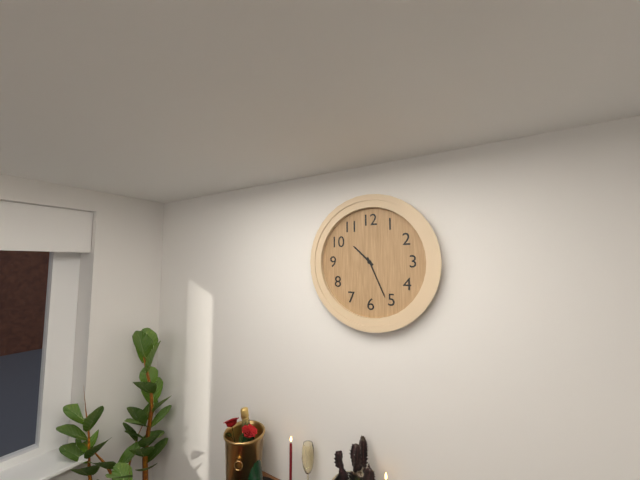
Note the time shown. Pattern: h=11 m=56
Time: h=10 m=26
